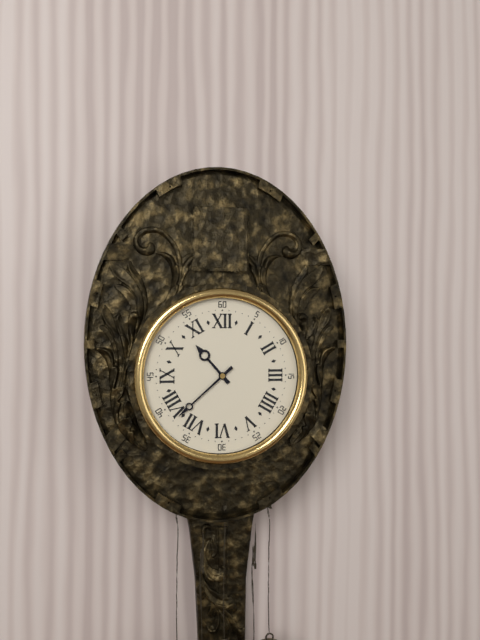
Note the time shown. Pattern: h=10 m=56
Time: h=10 m=38
